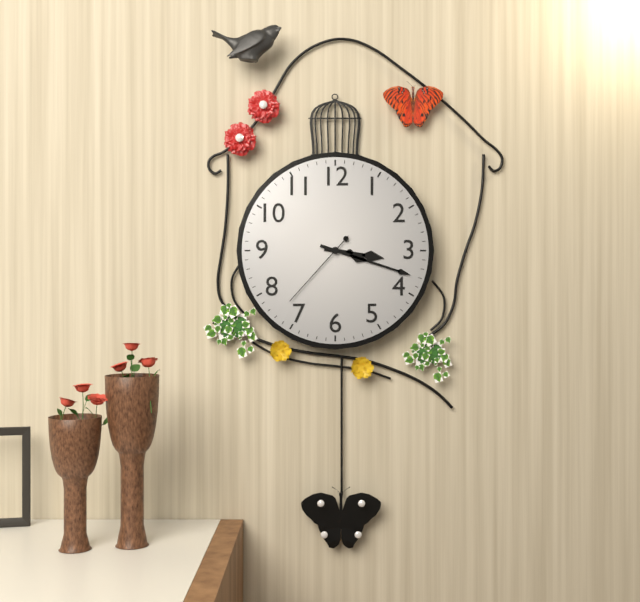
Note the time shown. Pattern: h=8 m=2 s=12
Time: h=3 m=18 s=37
